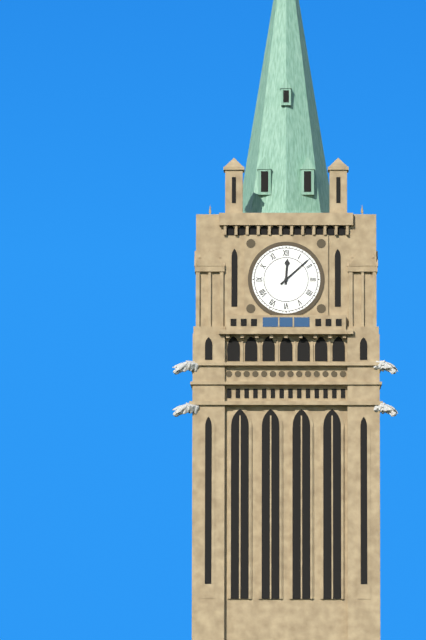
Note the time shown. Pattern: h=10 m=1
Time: h=12 m=8
